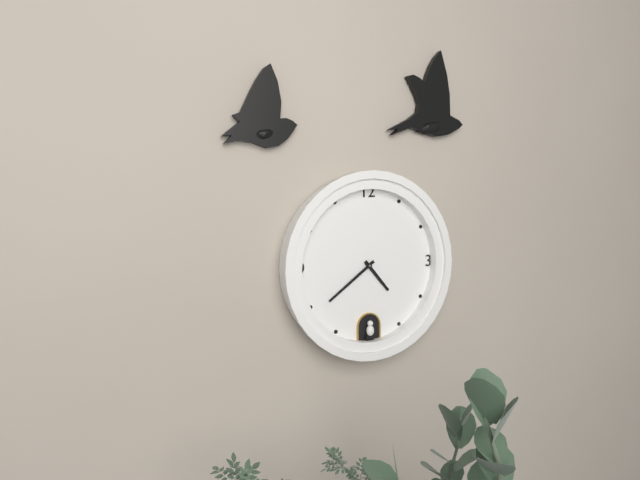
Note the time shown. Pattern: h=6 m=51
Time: h=4 m=39
